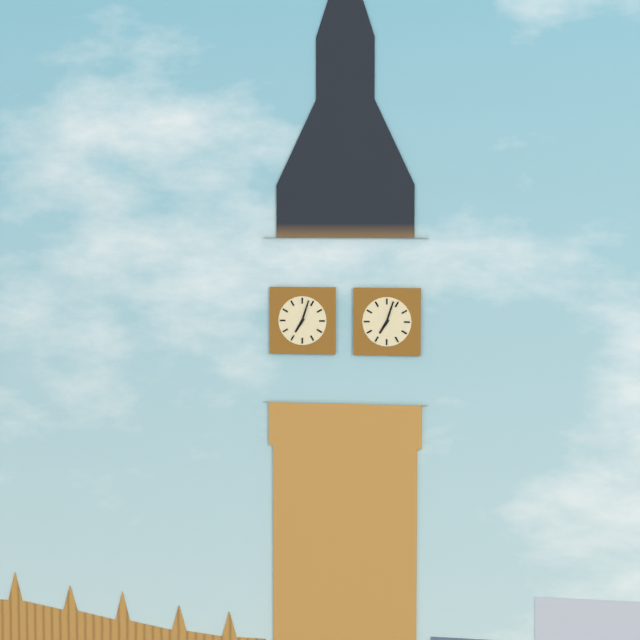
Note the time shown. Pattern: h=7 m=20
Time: h=7 m=3
